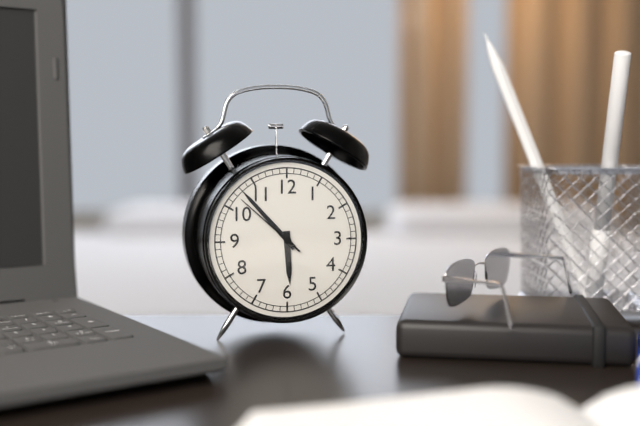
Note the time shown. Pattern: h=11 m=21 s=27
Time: h=5 m=53 s=52
